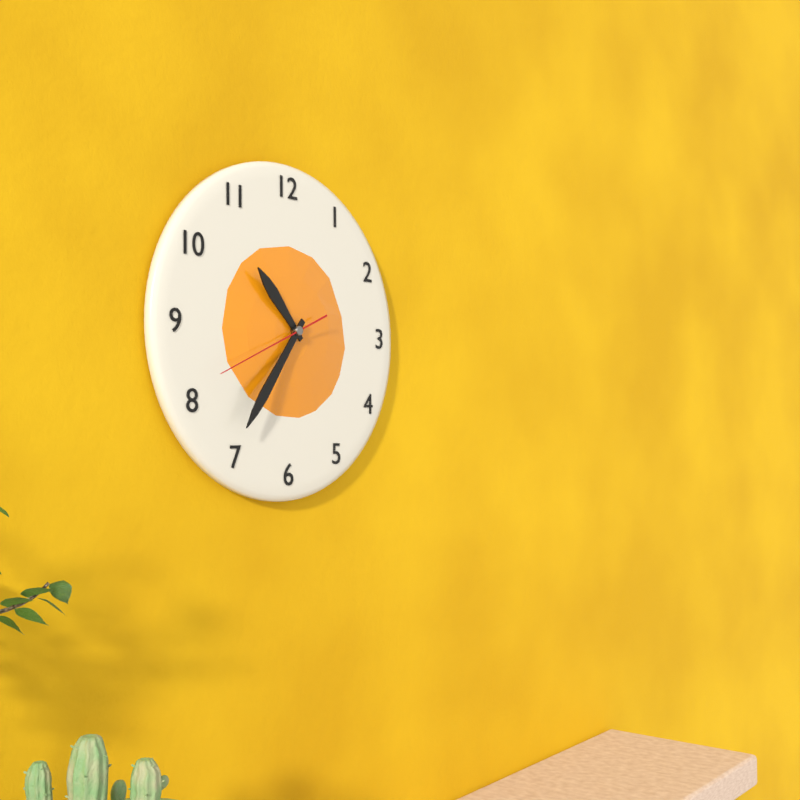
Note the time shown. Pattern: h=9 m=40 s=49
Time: h=10 m=36 s=41
